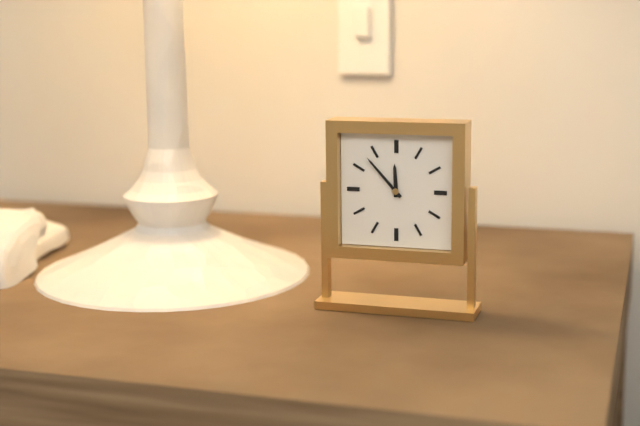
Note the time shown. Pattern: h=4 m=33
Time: h=11 m=53
